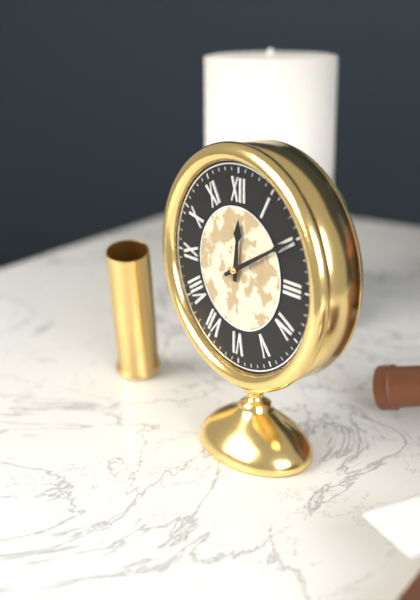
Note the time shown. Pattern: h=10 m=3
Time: h=12 m=10
